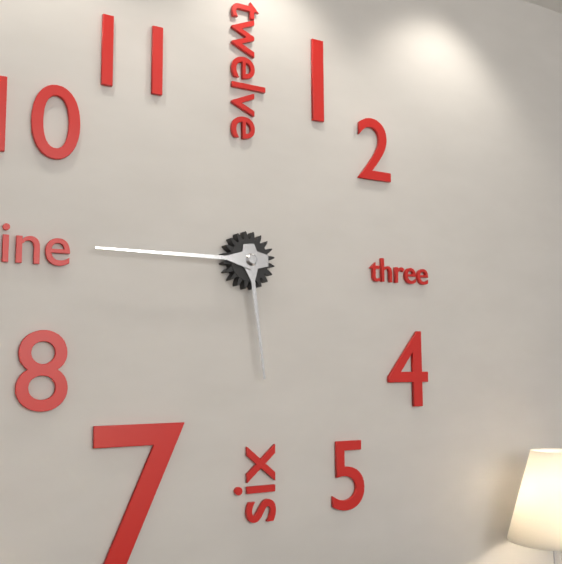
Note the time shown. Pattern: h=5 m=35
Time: h=5 m=45
